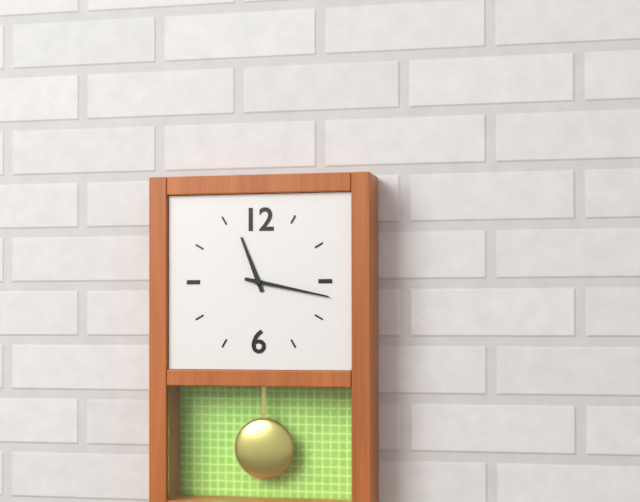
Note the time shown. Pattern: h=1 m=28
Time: h=11 m=17
